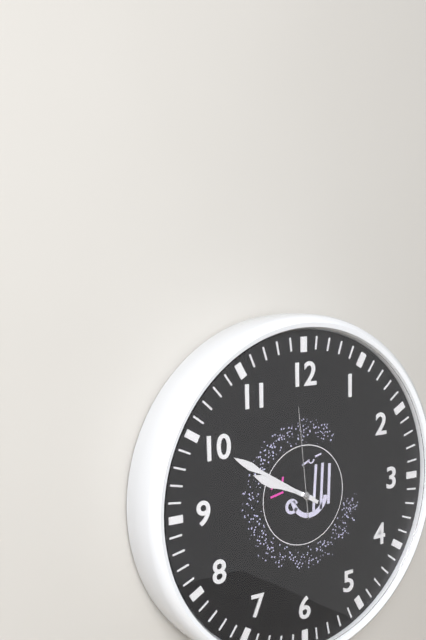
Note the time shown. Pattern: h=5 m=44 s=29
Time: h=9 m=50 s=59
